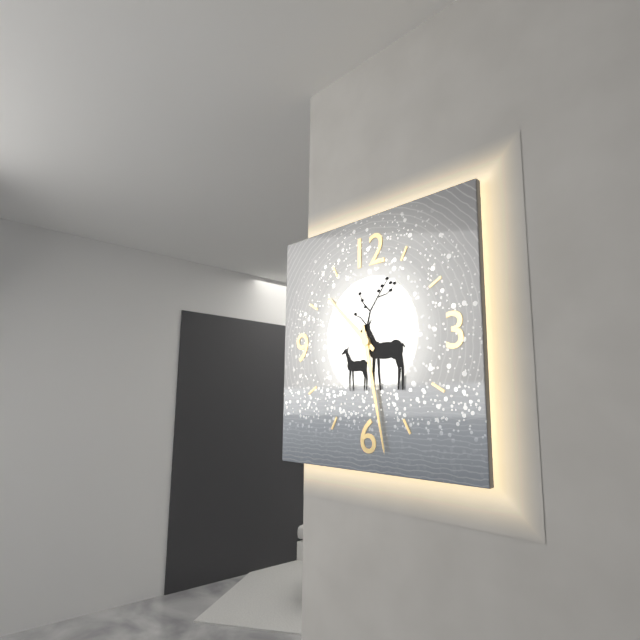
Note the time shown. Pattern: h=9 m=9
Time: h=10 m=28
